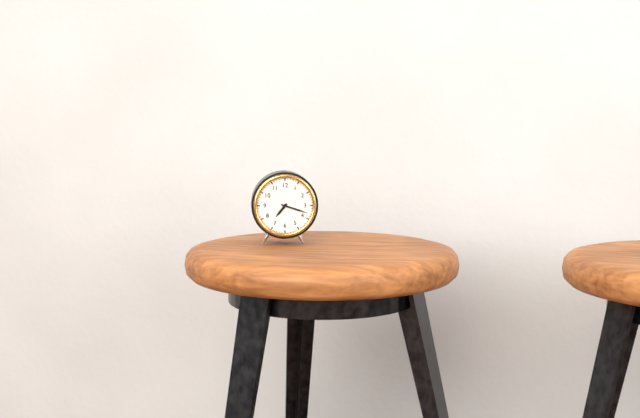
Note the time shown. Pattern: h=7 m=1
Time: h=7 m=18
